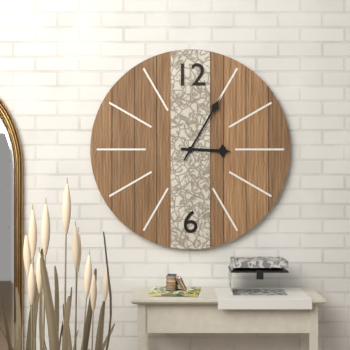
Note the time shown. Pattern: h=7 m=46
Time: h=3 m=5
